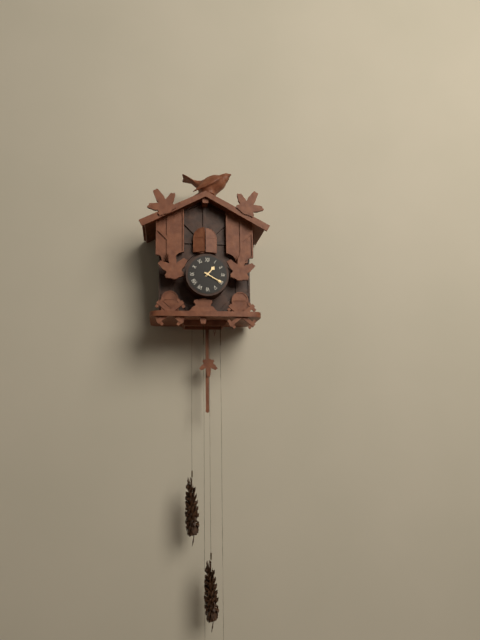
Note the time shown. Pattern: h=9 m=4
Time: h=1 m=20
